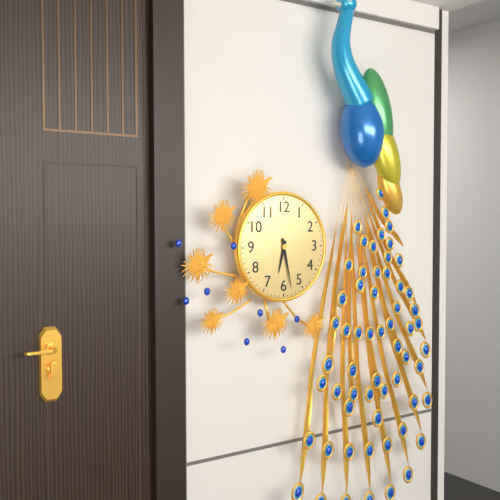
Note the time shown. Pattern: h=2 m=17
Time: h=6 m=28
